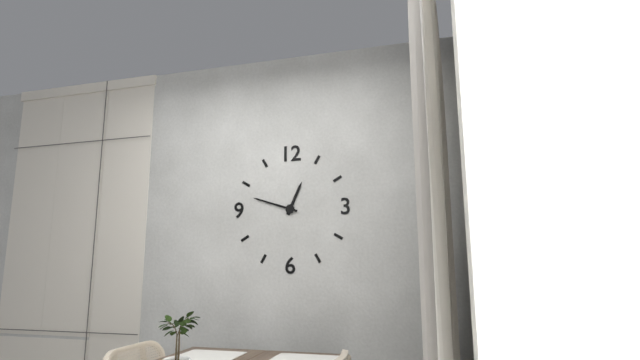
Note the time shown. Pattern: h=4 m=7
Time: h=12 m=48
